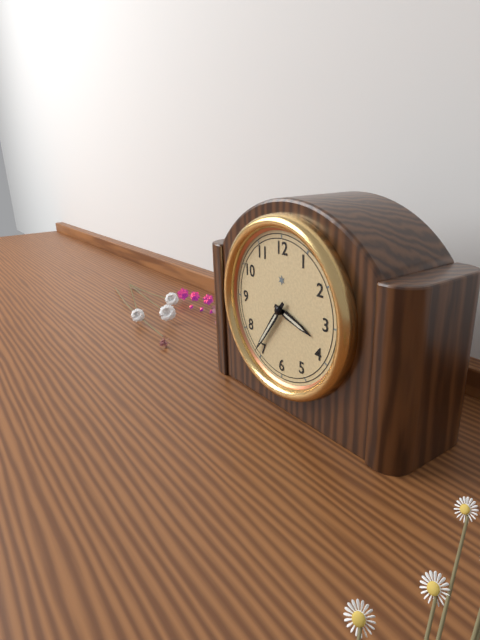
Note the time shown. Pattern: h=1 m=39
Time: h=3 m=36
